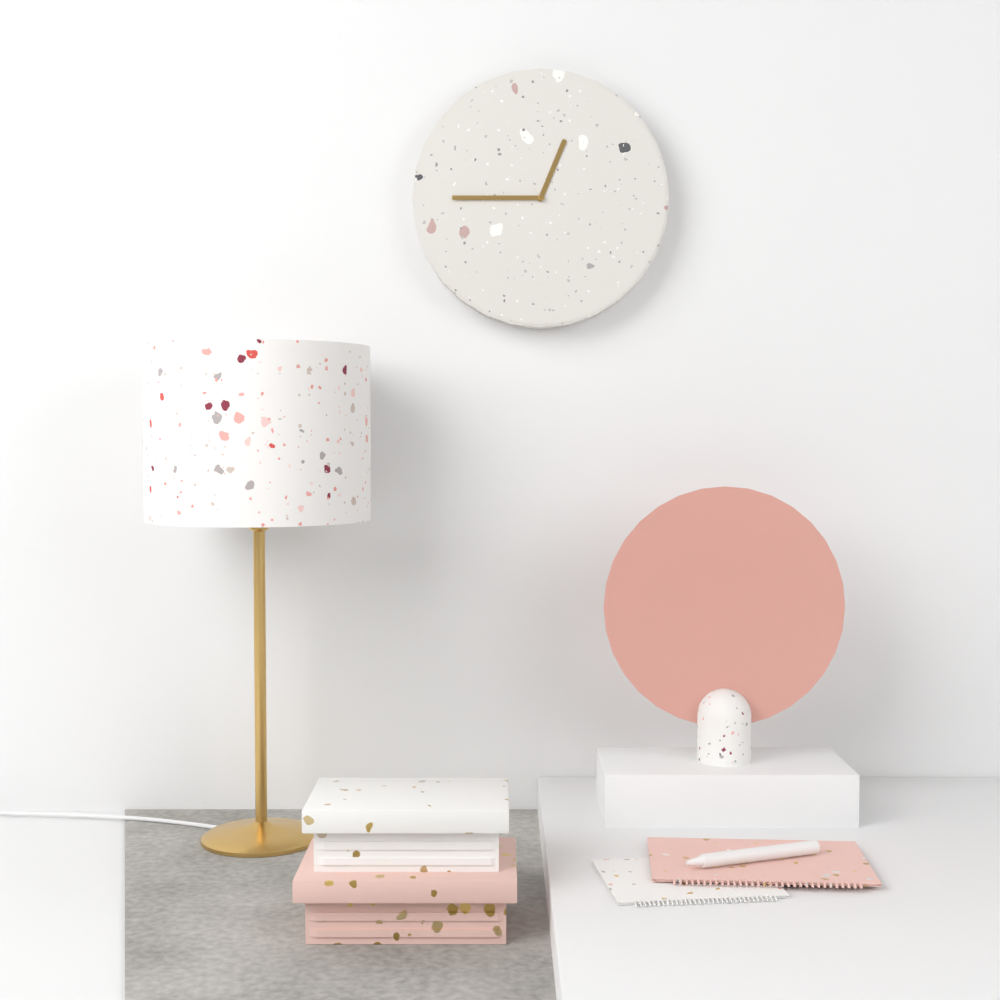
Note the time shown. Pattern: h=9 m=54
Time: h=12 m=45
